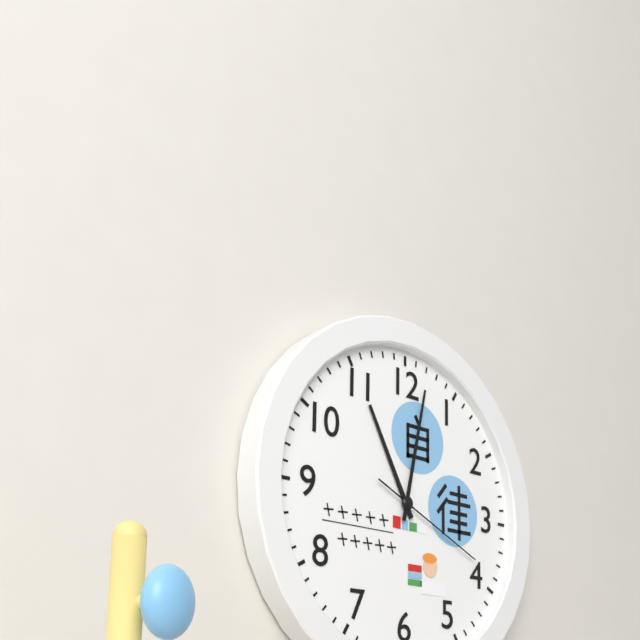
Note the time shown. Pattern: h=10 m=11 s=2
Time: h=11 m=2 s=19
